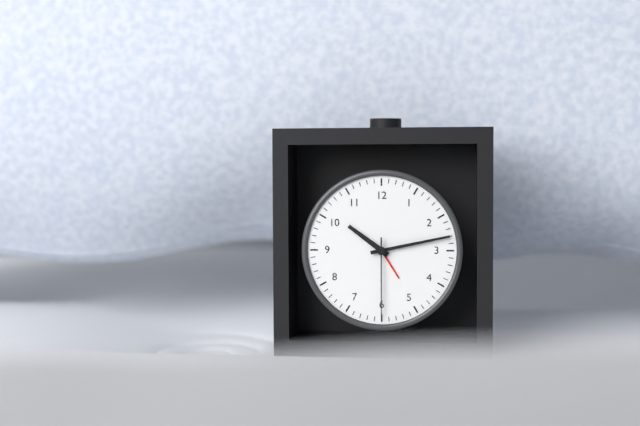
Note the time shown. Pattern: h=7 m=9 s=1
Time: h=10 m=13 s=30
